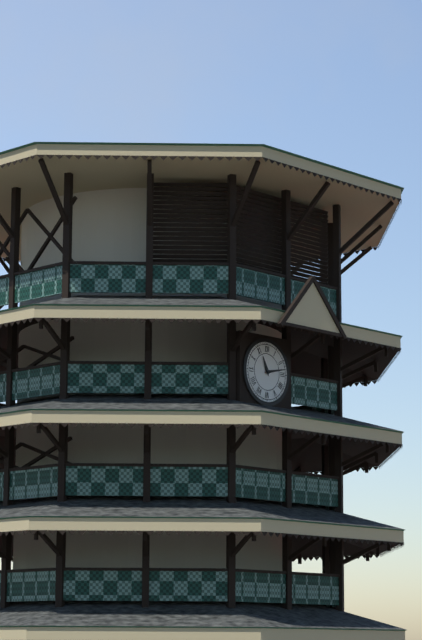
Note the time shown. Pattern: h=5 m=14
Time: h=11 m=13
